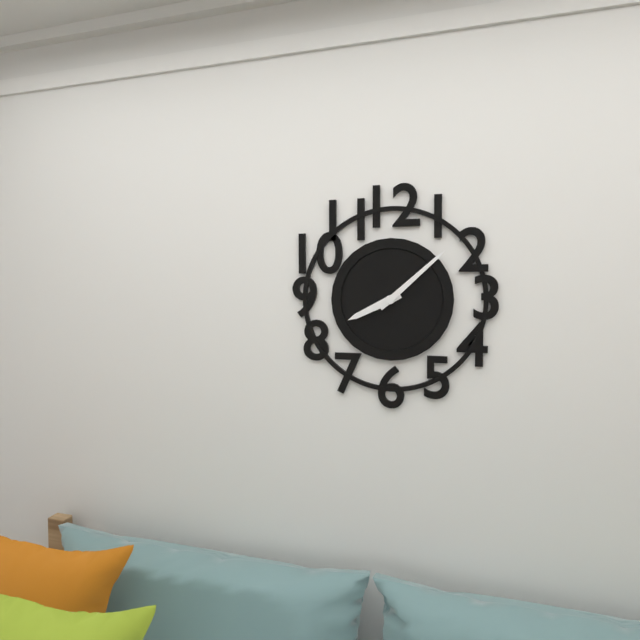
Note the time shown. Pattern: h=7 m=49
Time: h=8 m=8
